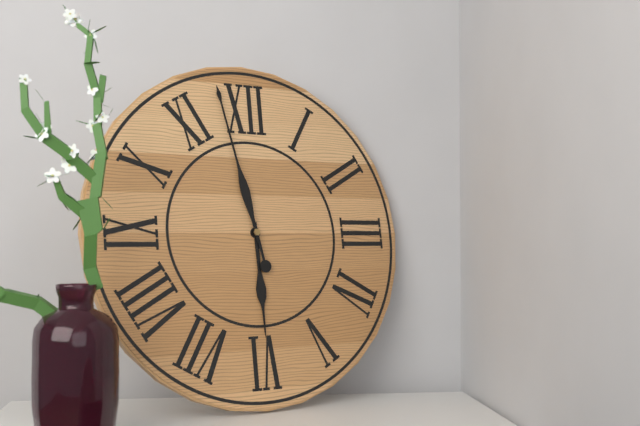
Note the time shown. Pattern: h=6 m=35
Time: h=5 m=58
